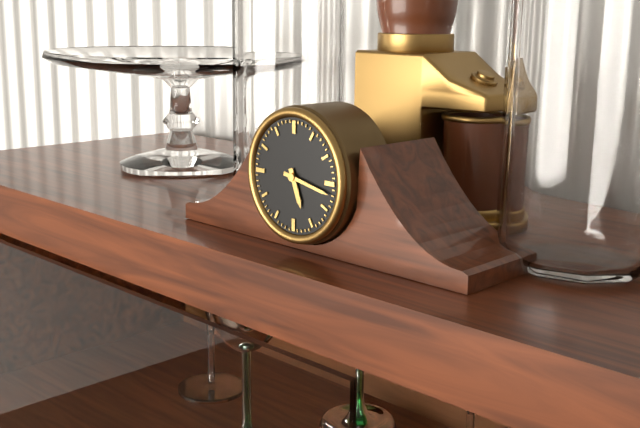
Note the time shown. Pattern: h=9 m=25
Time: h=5 m=17
